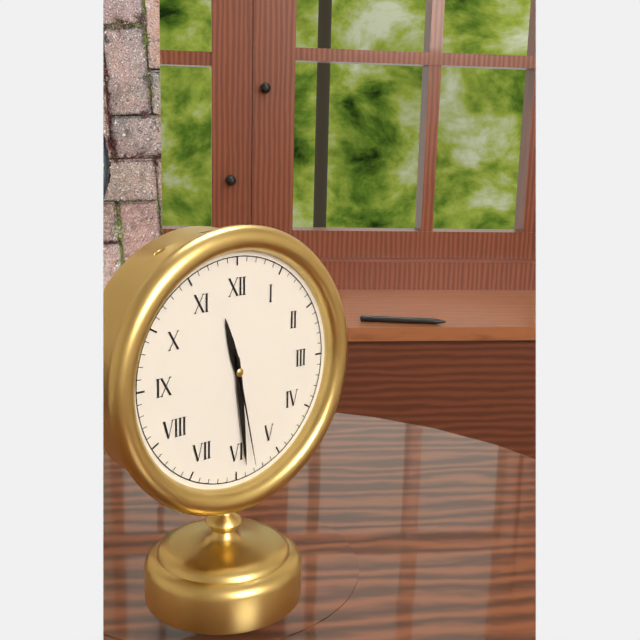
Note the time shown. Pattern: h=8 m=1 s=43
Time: h=11 m=29 s=28
